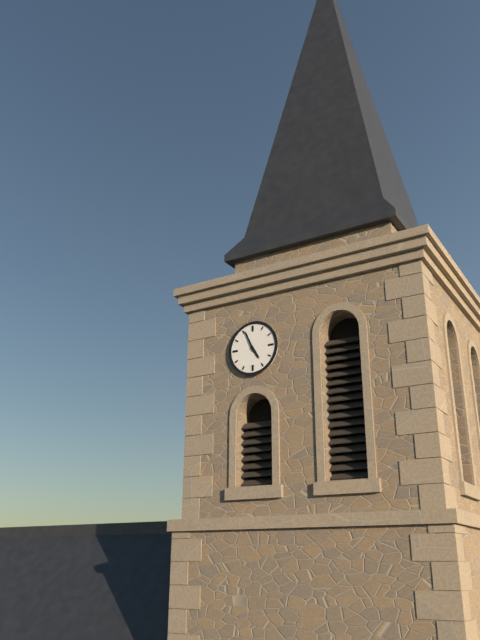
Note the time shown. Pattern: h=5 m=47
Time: h=4 m=56
